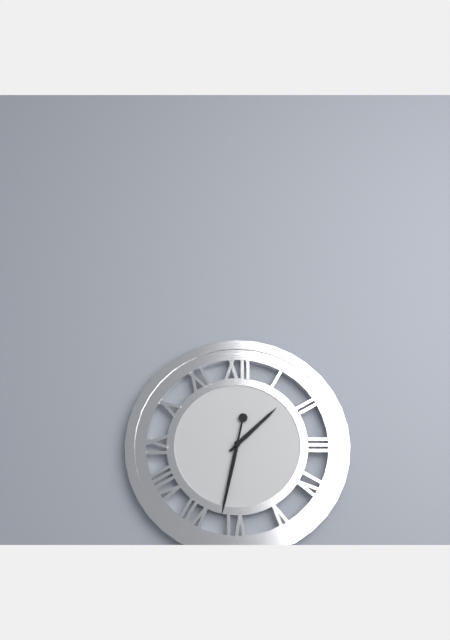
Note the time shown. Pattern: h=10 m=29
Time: h=1 m=32
